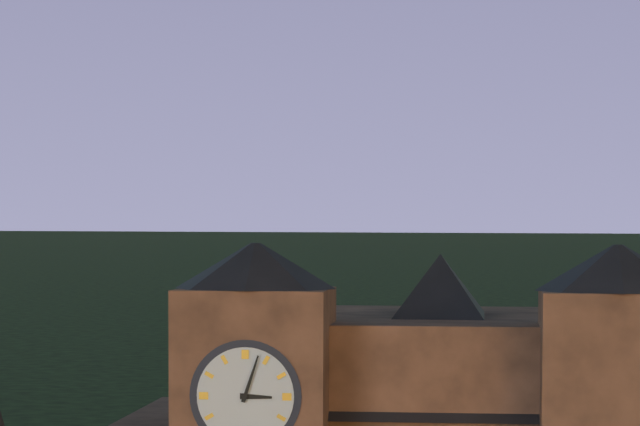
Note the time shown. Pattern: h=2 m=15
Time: h=3 m=3
